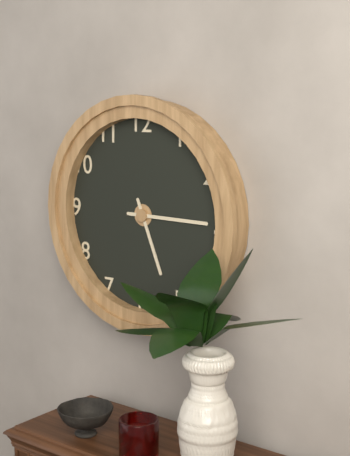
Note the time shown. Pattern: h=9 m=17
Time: h=5 m=15
